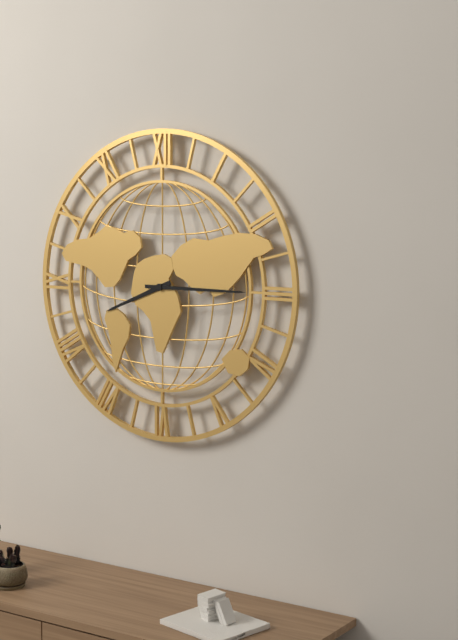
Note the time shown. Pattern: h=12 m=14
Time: h=8 m=15
